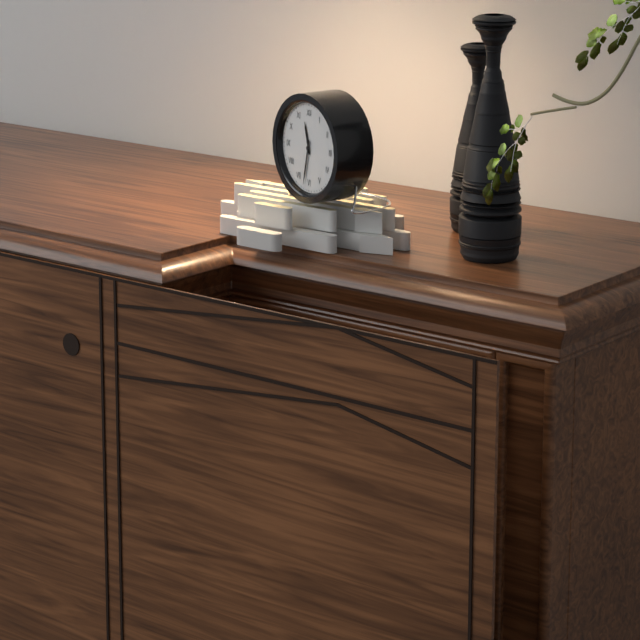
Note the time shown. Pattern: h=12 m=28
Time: h=11 m=32
